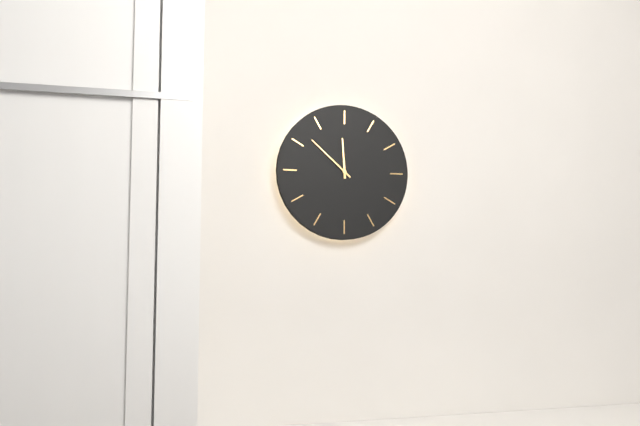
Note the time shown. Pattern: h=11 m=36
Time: h=11 m=52
